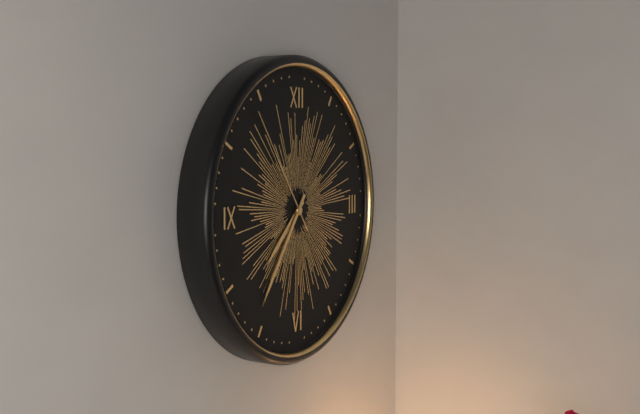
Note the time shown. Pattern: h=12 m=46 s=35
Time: h=7 m=36 s=54
